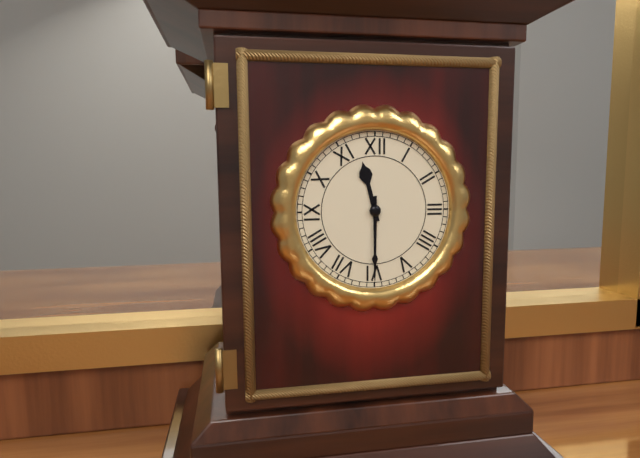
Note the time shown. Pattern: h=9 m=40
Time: h=11 m=30
